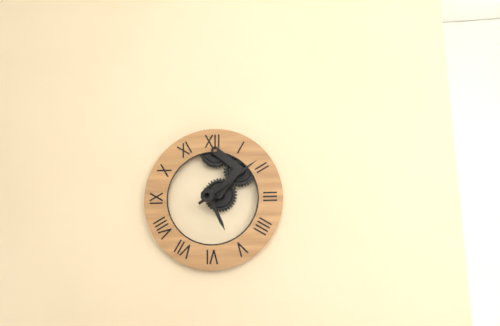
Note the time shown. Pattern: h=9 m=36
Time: h=5 m=9
